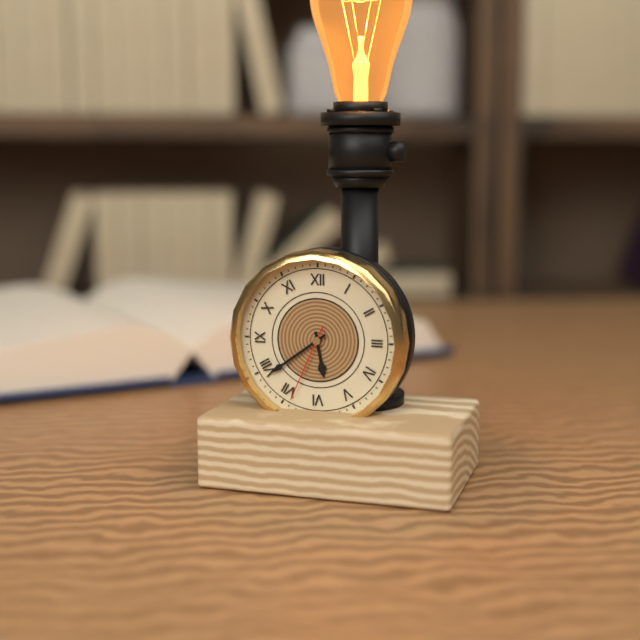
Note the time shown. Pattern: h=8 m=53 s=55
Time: h=5 m=39 s=34
